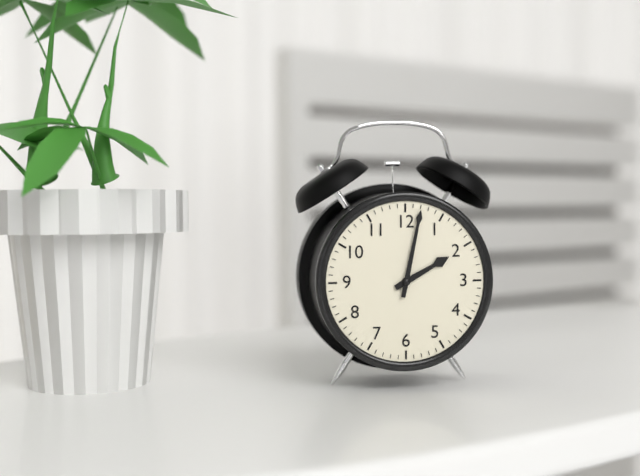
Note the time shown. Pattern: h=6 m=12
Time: h=2 m=2
